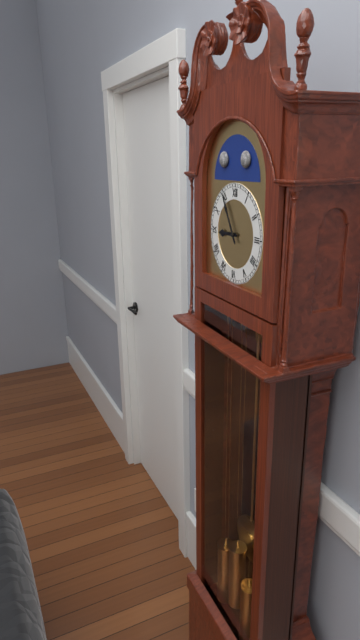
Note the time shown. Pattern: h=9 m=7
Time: h=8 m=55
